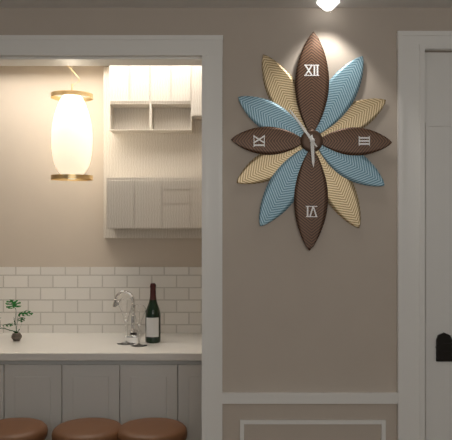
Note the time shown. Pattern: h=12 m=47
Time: h=5 m=54
